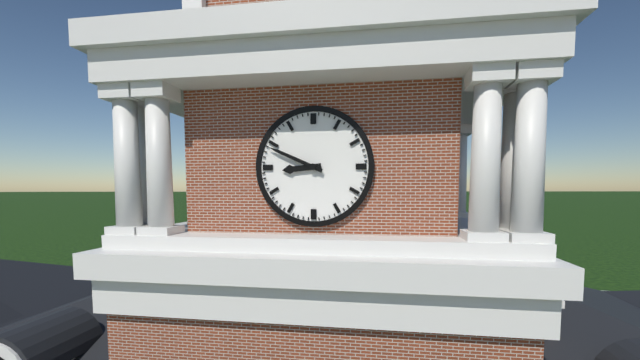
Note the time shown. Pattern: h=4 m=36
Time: h=8 m=49
